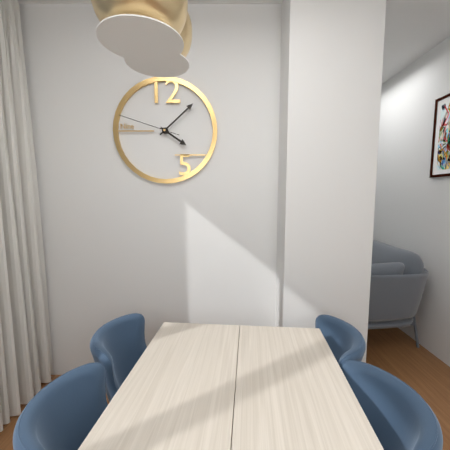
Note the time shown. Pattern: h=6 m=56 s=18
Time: h=4 m=8 s=48
